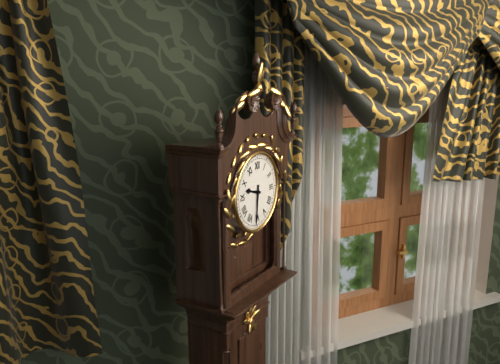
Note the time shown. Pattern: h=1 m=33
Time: h=9 m=31
